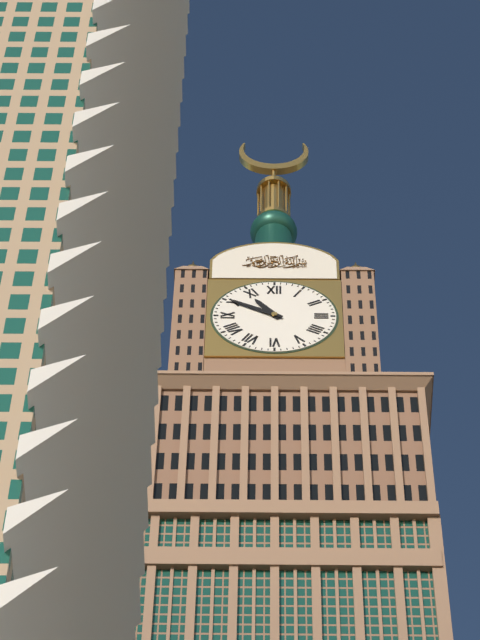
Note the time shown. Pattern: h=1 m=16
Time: h=10 m=50
